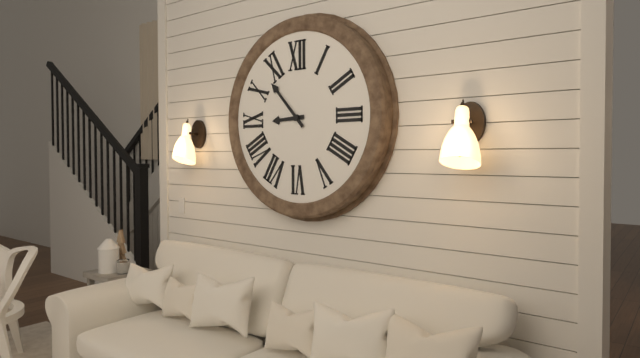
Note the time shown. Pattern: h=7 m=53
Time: h=8 m=53
